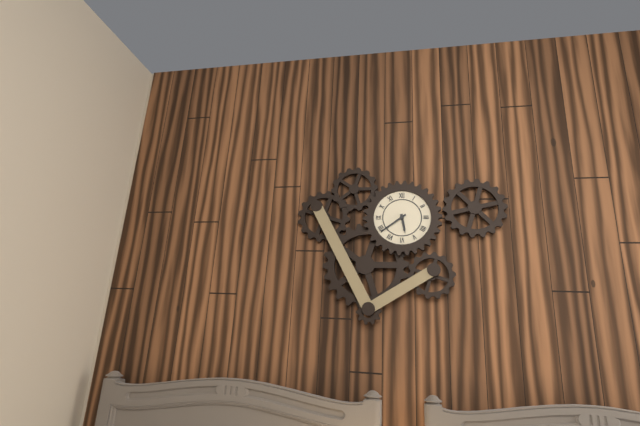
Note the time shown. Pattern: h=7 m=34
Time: h=5 m=39
